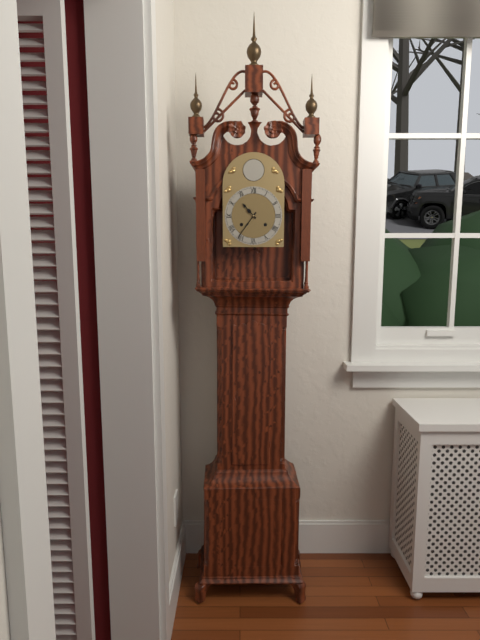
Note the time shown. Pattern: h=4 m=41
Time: h=10 m=36
